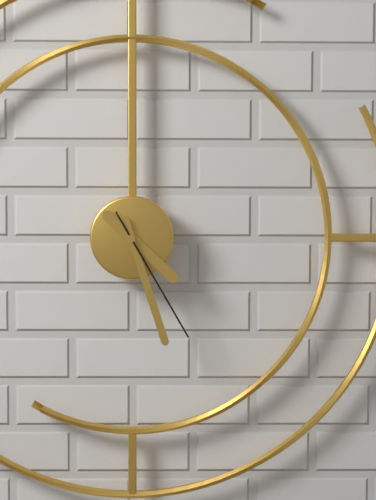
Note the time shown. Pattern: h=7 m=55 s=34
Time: h=4 m=27 s=25
